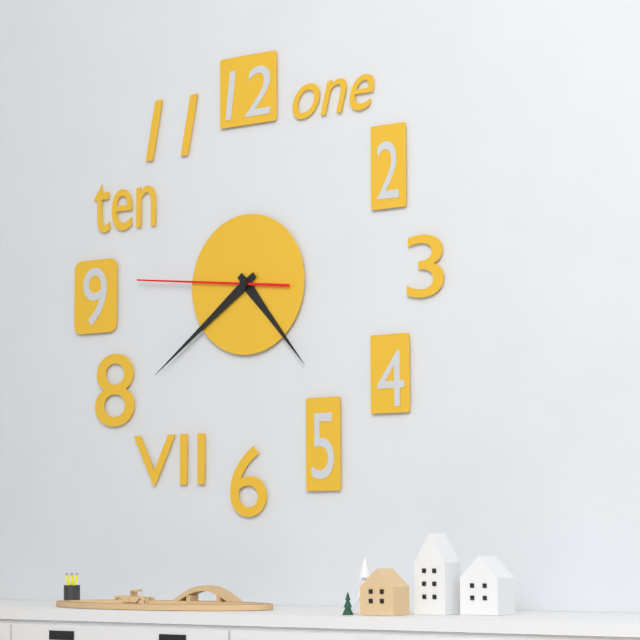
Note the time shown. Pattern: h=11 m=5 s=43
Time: h=4 m=39 s=46
